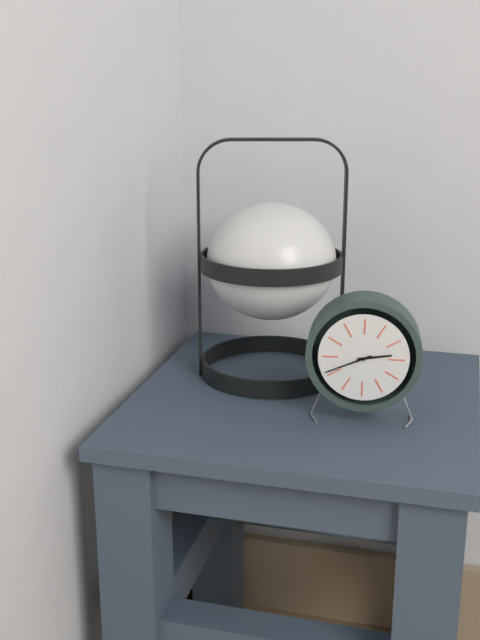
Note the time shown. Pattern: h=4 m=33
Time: h=2 m=41
